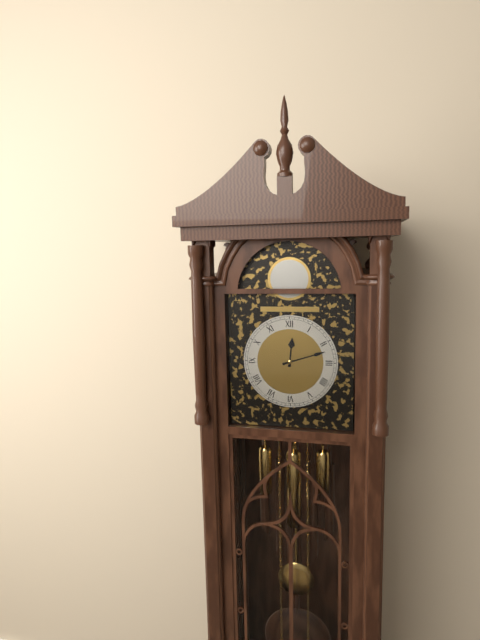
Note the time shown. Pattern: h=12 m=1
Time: h=12 m=12
